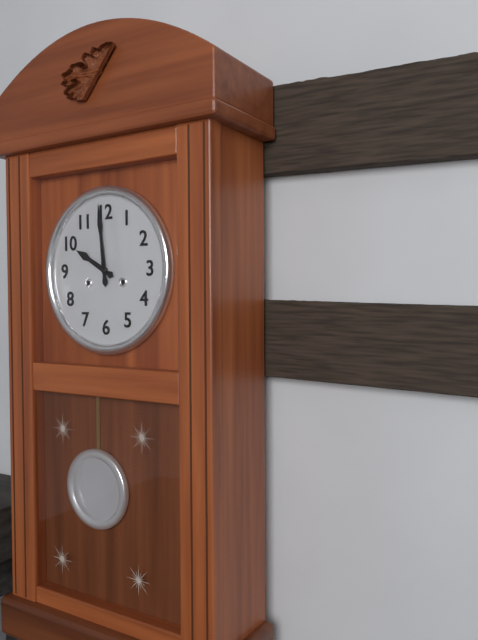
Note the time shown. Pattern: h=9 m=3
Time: h=9 m=59
